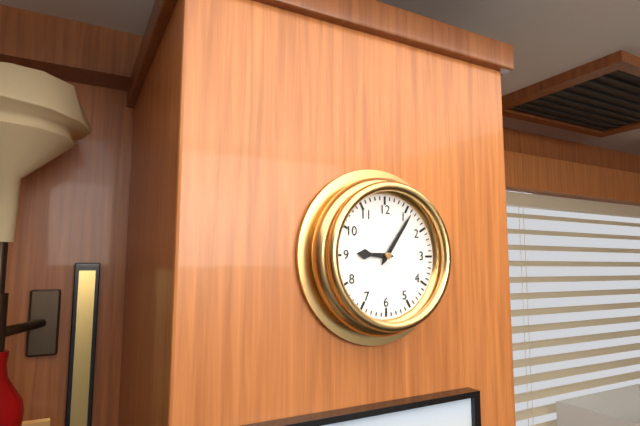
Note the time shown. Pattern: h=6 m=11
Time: h=9 m=6
